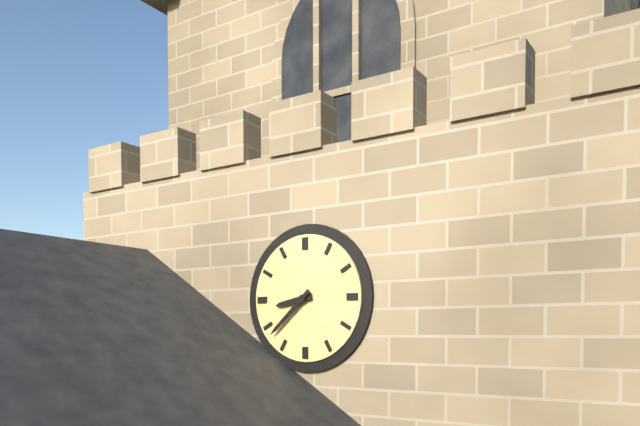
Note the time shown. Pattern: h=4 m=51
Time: h=8 m=38
